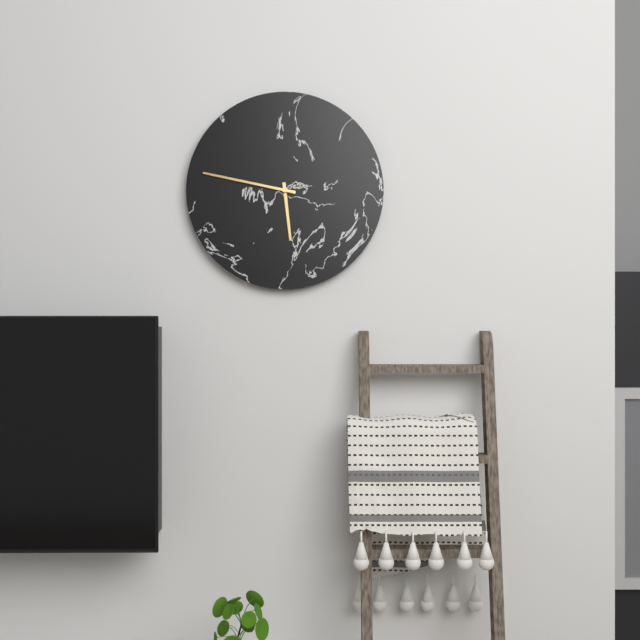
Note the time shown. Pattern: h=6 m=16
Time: h=5 m=47
